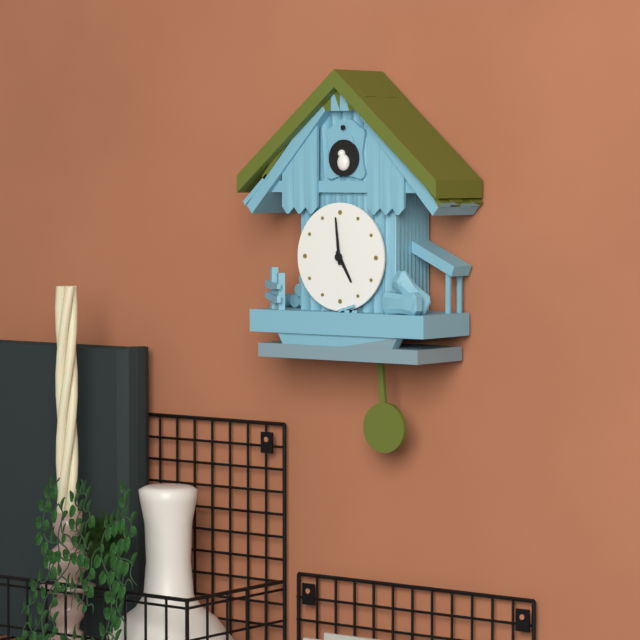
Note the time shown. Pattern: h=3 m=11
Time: h=4 m=59
